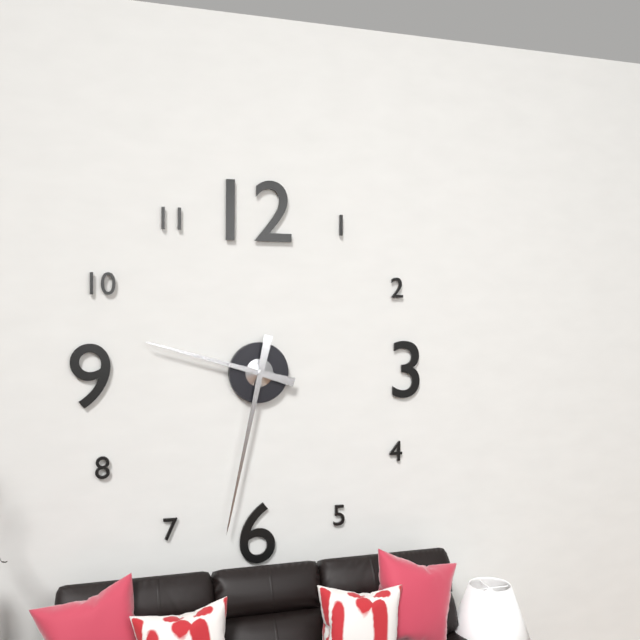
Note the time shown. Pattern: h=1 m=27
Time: h=9 m=32
